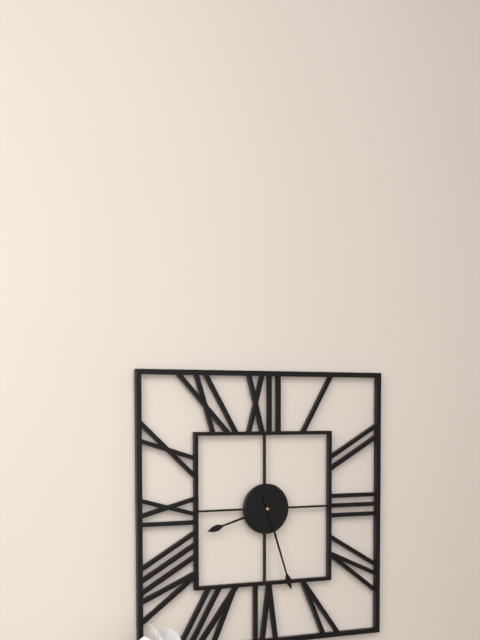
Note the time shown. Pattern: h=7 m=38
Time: h=8 m=27
